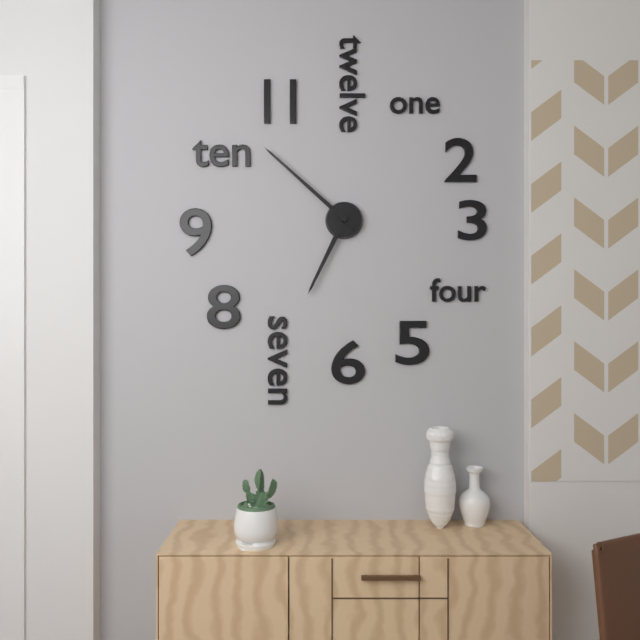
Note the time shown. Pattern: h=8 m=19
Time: h=6 m=52
